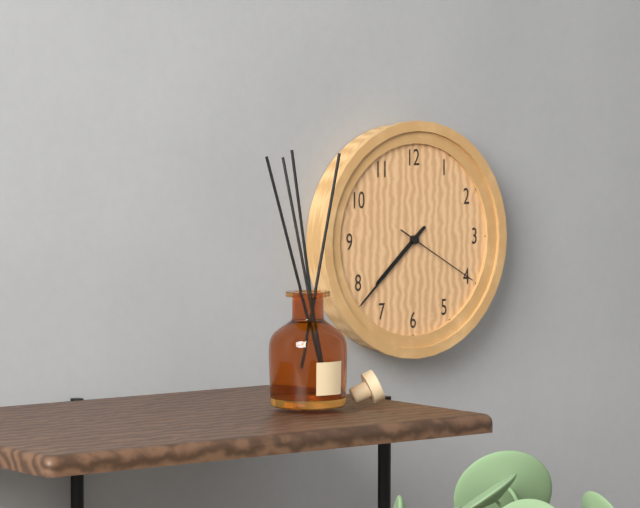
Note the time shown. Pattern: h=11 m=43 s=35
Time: h=7 m=38 s=20
